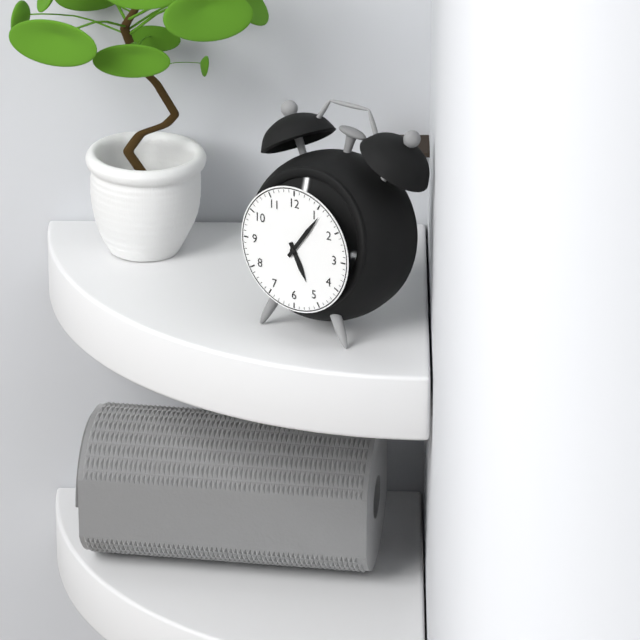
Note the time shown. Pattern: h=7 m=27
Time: h=5 m=6
